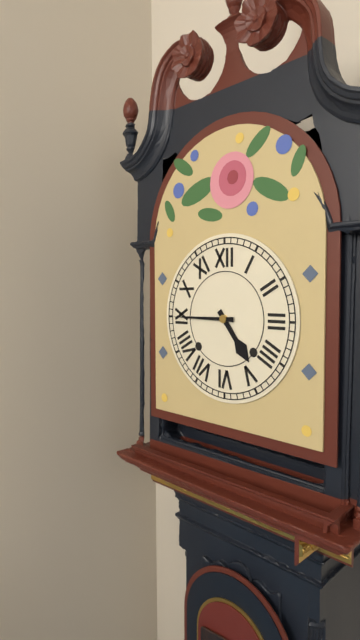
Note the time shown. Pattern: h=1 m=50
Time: h=4 m=45
